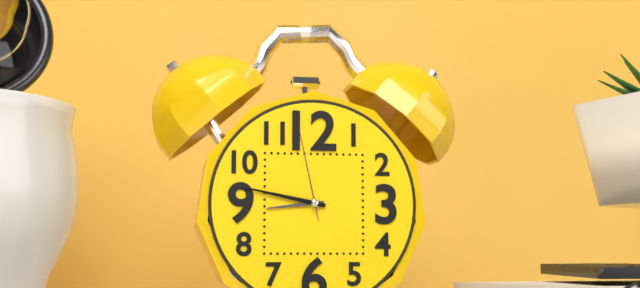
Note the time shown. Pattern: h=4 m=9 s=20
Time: h=8 m=47 s=58
